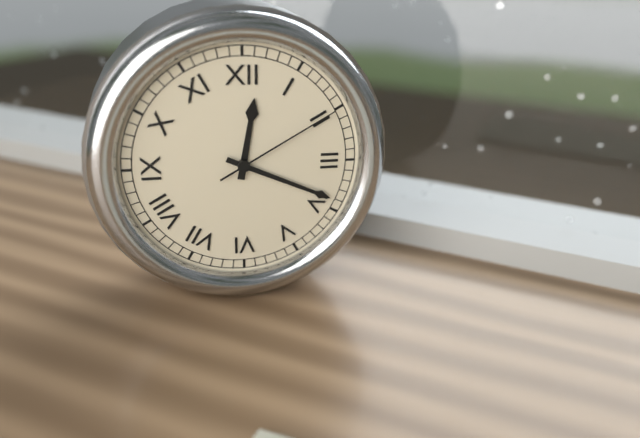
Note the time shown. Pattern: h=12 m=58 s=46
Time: h=12 m=19 s=10
